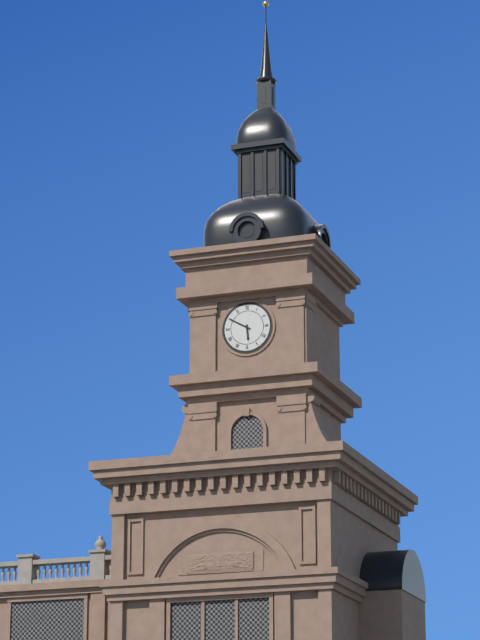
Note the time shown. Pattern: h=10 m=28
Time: h=5 m=50
